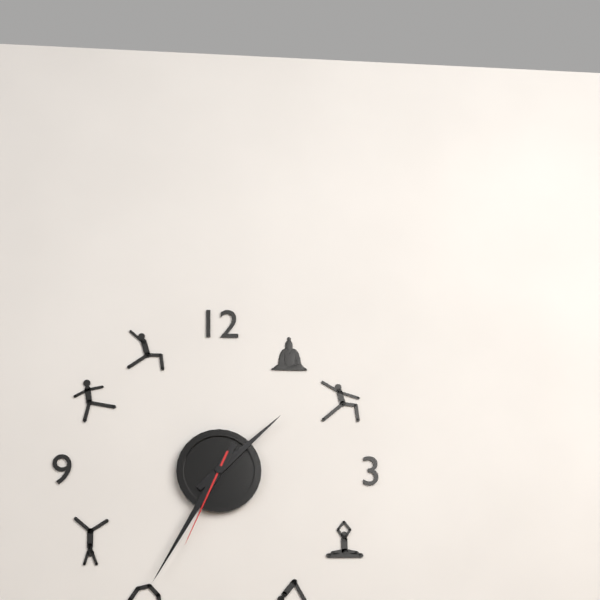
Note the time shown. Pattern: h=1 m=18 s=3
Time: h=1 m=35 s=34
